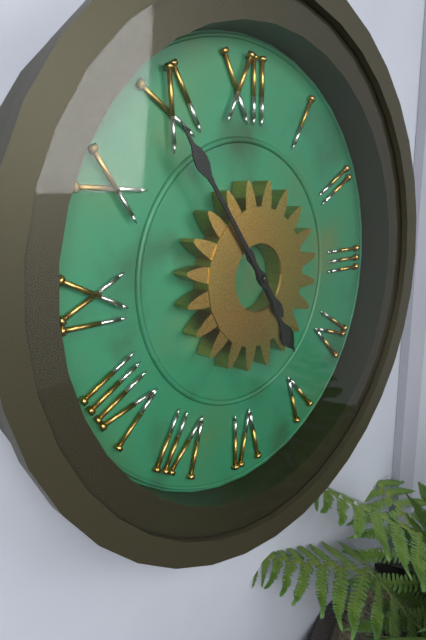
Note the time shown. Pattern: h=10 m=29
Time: h=4 m=54
